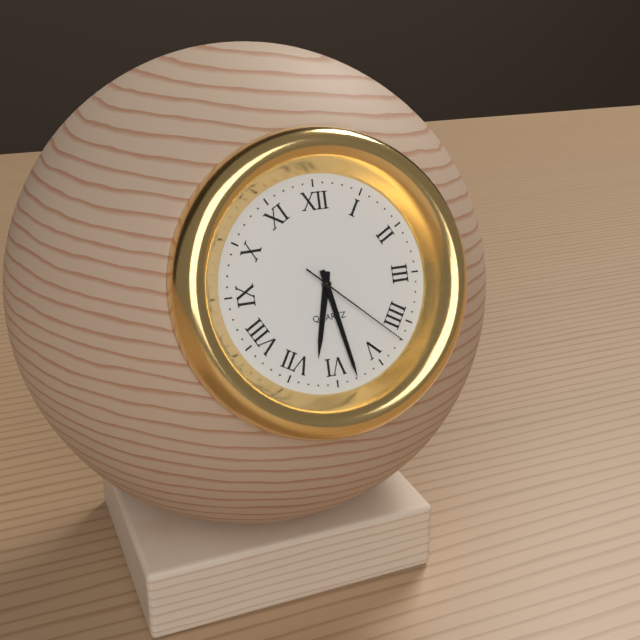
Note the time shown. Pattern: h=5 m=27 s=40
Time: h=6 m=28 s=22
